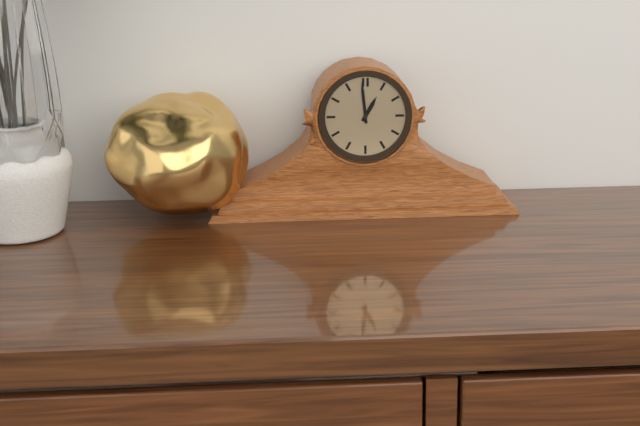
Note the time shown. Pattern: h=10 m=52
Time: h=12 m=59
